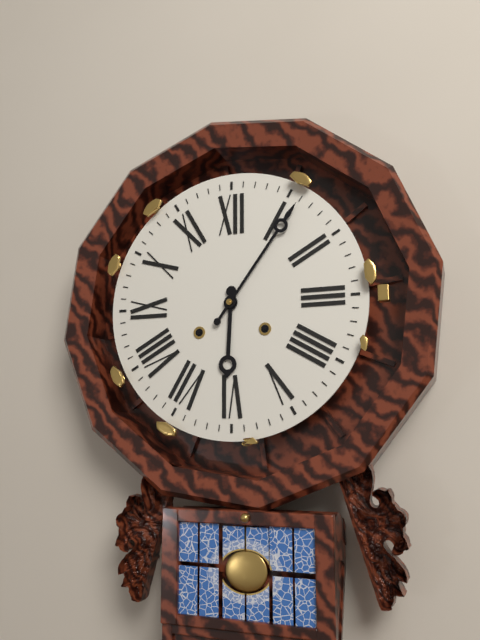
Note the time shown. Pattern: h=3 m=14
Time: h=6 m=6
